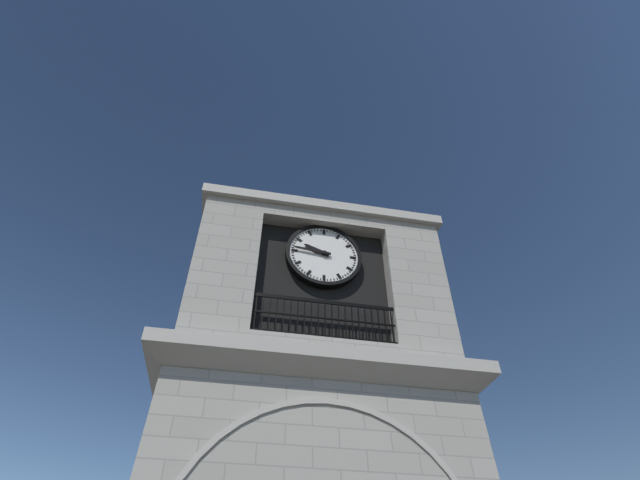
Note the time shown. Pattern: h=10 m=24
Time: h=9 m=46
